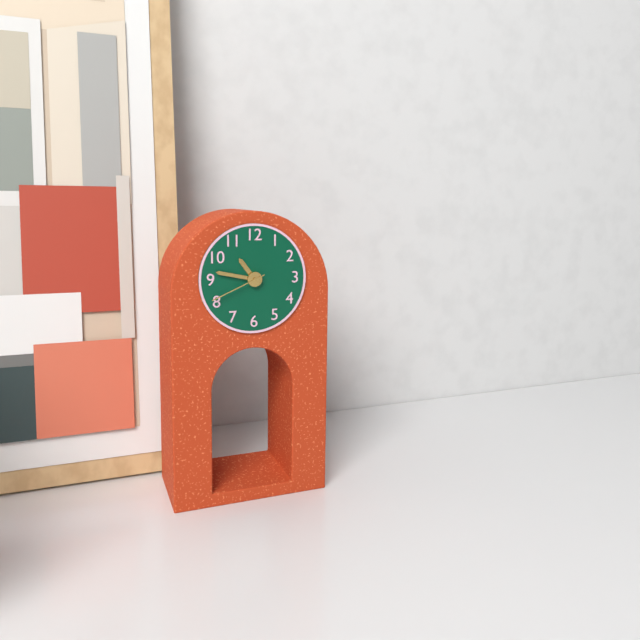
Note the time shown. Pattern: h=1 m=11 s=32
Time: h=10 m=47 s=41
